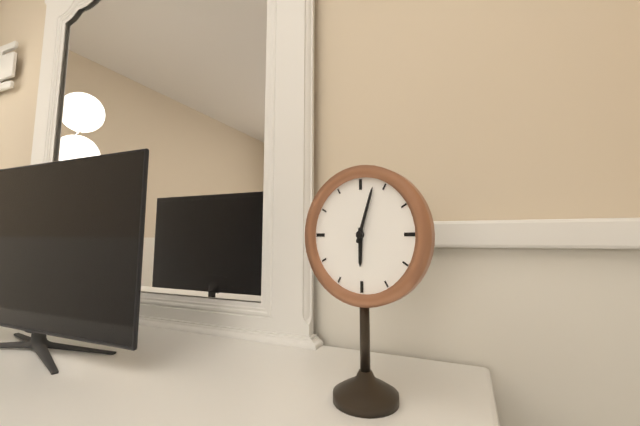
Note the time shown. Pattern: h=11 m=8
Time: h=6 m=3
